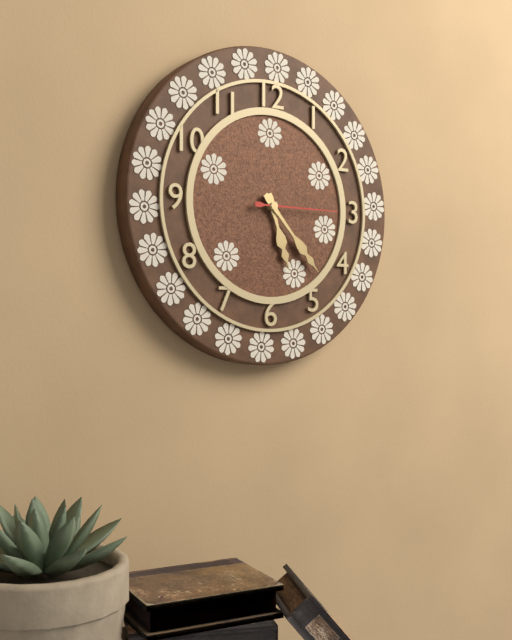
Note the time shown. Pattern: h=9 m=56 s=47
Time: h=5 m=23 s=15
